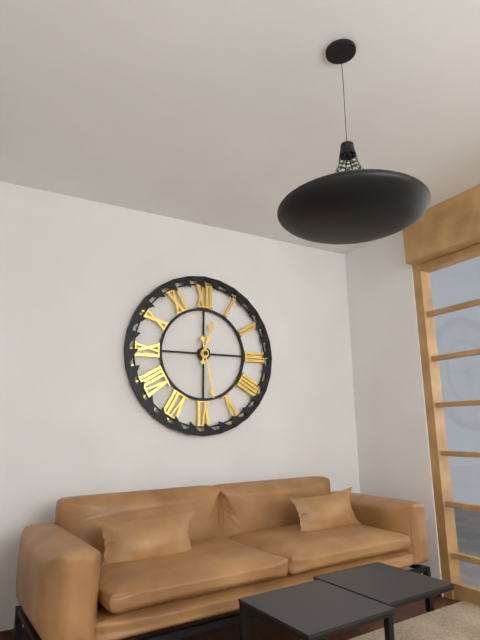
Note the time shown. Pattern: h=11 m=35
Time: h=12 m=28
